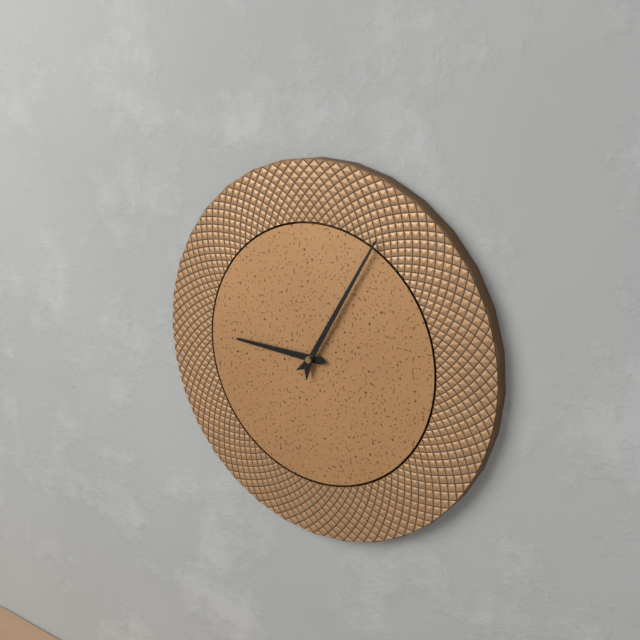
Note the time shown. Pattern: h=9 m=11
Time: h=9 m=5
